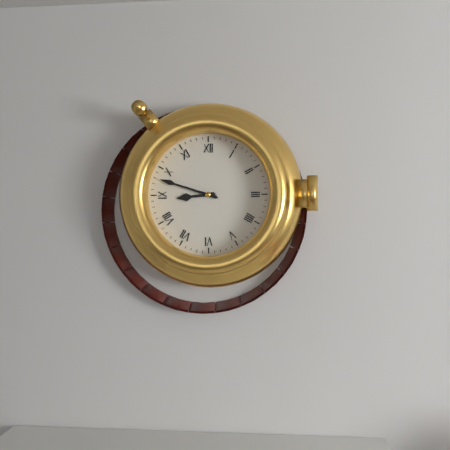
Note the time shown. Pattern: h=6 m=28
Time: h=8 m=48
